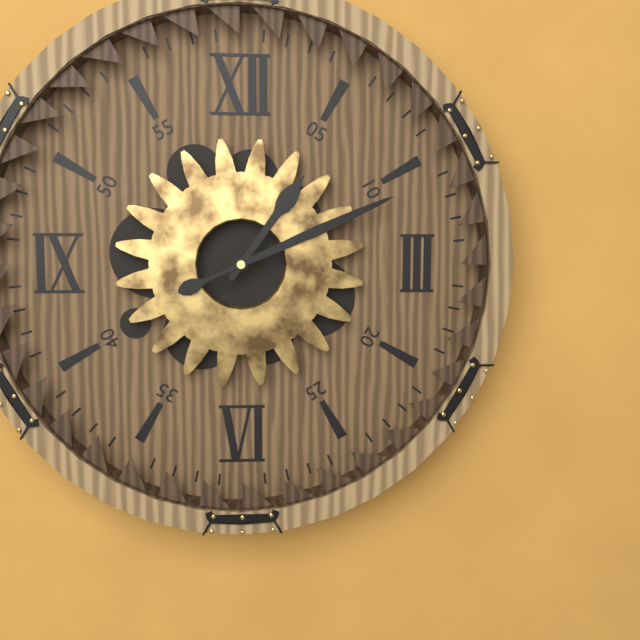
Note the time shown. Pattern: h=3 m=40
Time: h=1 m=11
